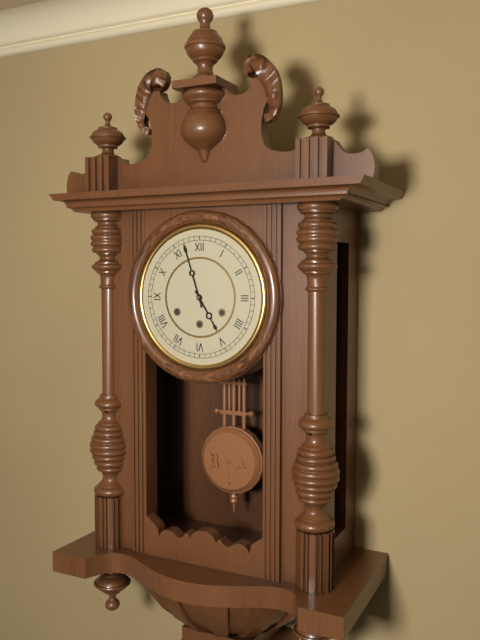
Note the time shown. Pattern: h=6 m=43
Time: h=4 m=57
